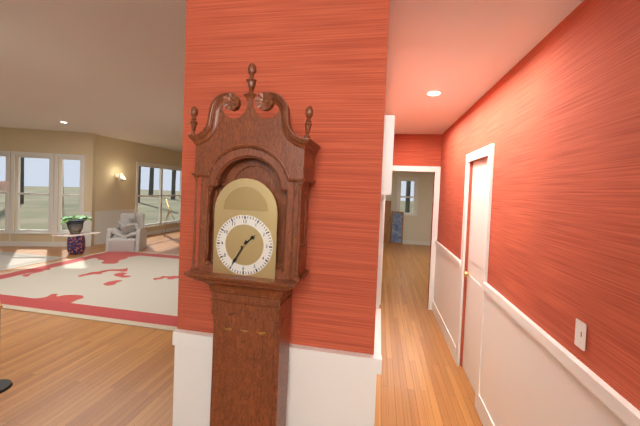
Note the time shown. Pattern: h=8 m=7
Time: h=1 m=35
